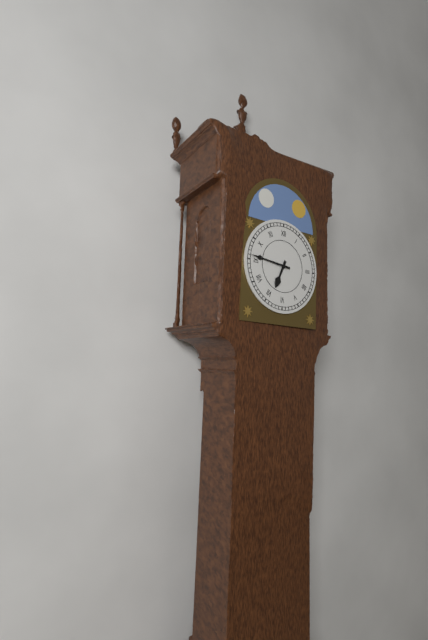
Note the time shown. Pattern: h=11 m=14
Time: h=6 m=46
